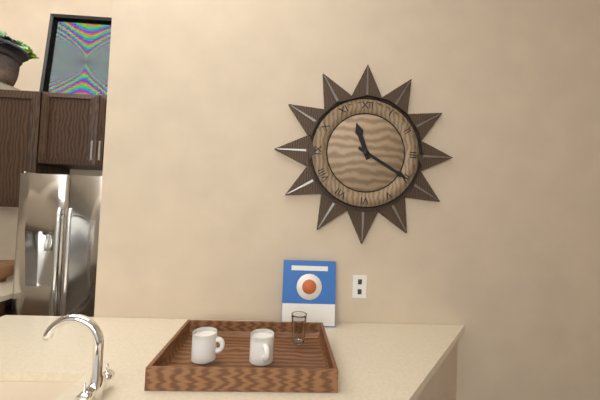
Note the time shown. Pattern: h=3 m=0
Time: h=11 m=20
